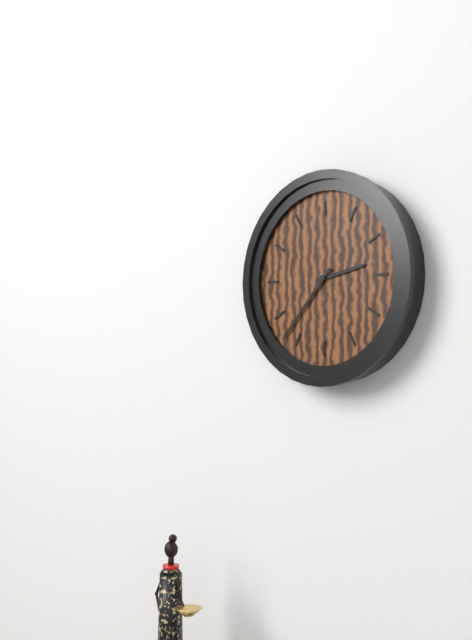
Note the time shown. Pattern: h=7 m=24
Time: h=2 m=37
